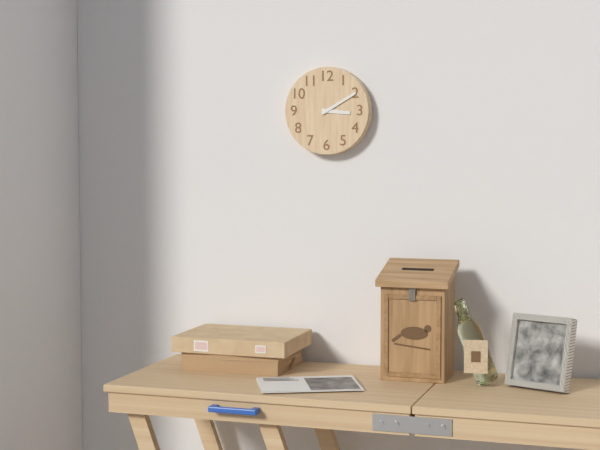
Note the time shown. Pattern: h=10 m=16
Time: h=3 m=10
